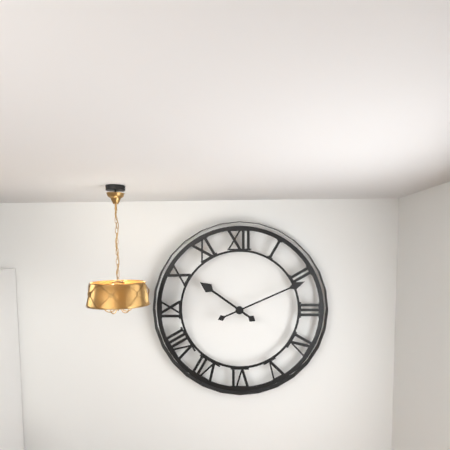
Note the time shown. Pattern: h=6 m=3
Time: h=10 m=11
